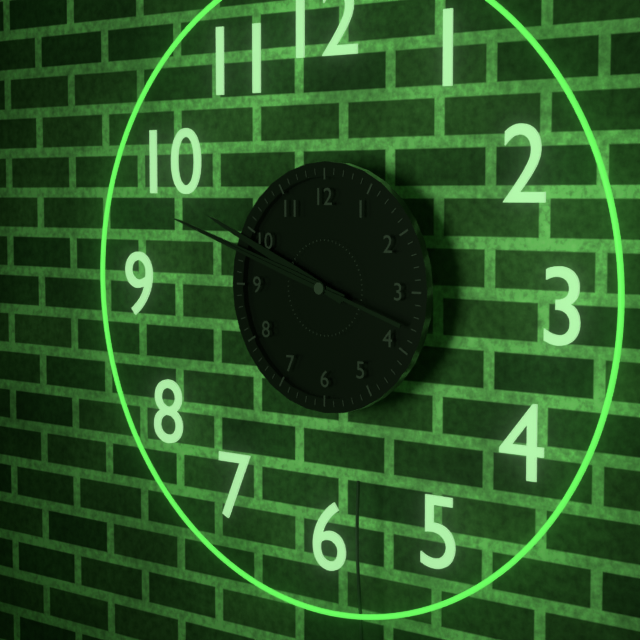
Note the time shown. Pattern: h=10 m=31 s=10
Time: h=9 m=48 s=48
